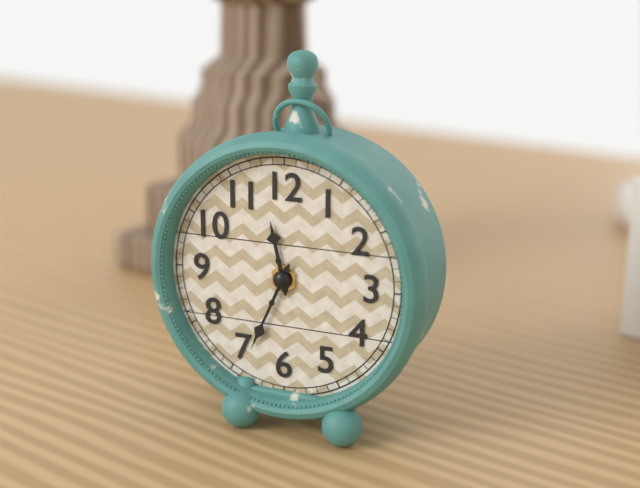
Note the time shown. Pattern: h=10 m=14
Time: h=11 m=34
